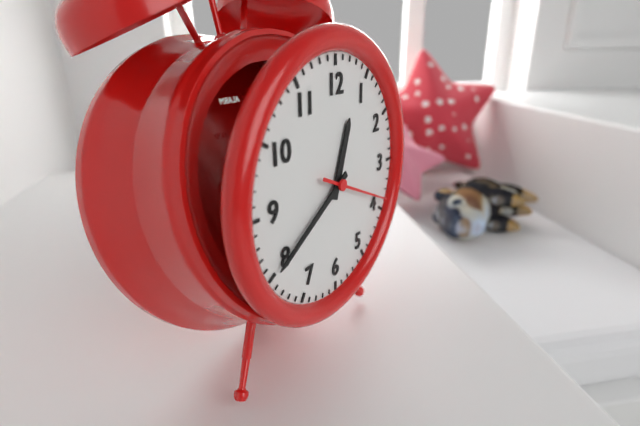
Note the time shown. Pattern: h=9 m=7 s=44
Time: h=12 m=40 s=19
